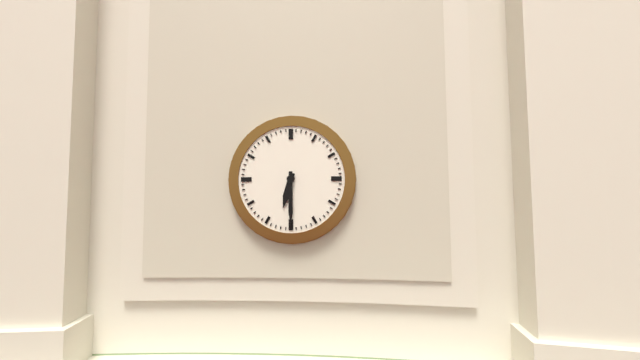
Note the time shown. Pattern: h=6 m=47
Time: h=6 m=30
